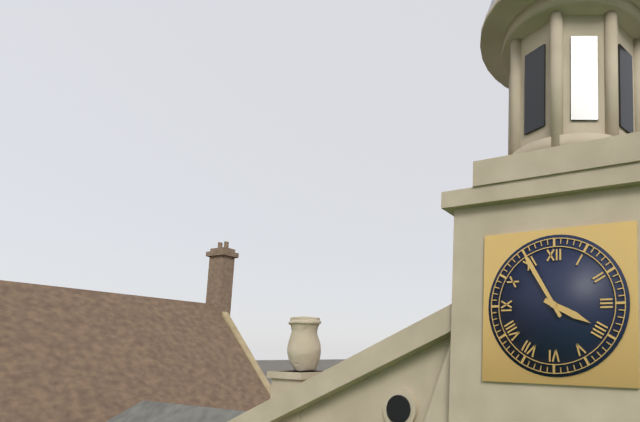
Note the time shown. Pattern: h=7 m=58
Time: h=3 m=55
